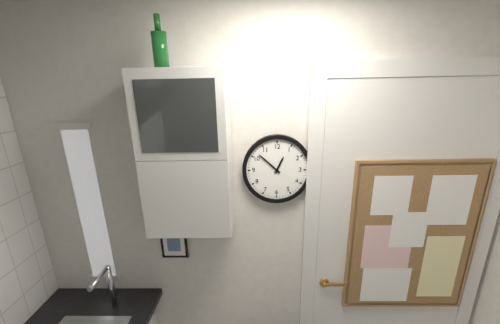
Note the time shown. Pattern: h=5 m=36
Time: h=12 m=52
